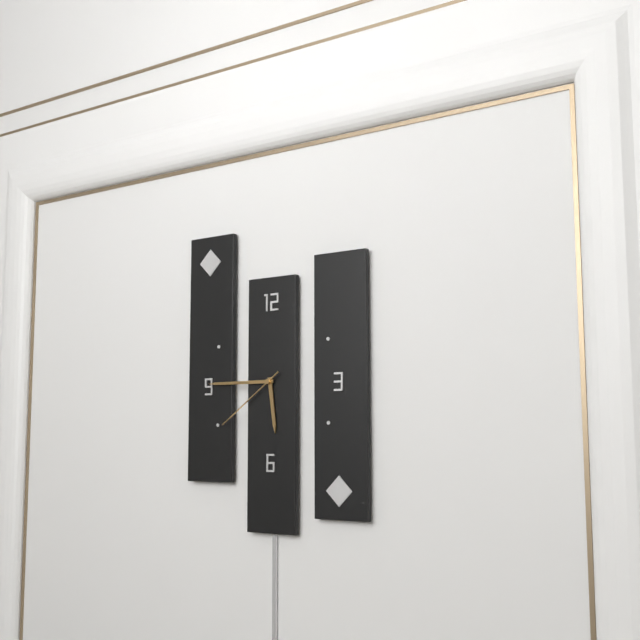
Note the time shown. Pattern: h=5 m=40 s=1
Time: h=5 m=45 s=39
